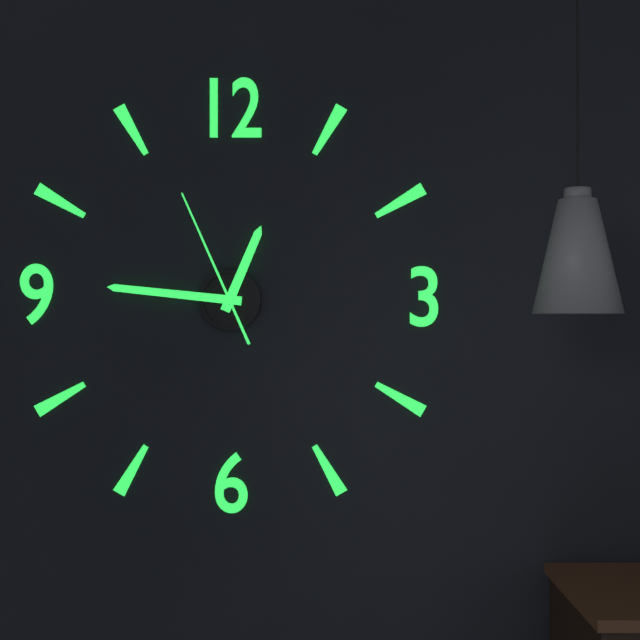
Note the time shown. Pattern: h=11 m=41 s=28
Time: h=12 m=46 s=56
